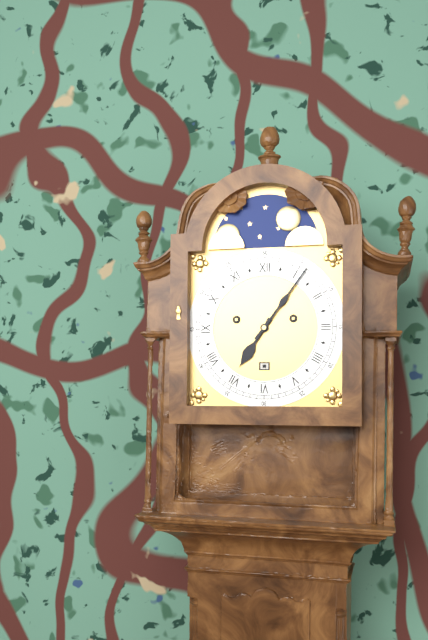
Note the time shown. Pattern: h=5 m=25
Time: h=7 m=6
